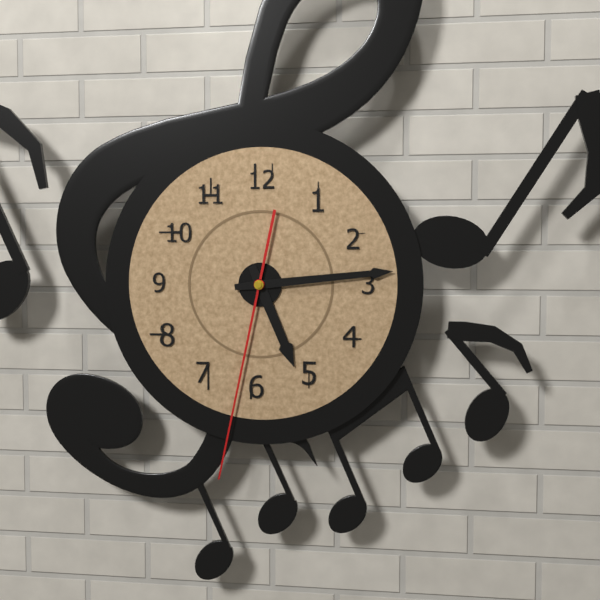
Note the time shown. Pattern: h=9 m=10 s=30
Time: h=5 m=14 s=32
